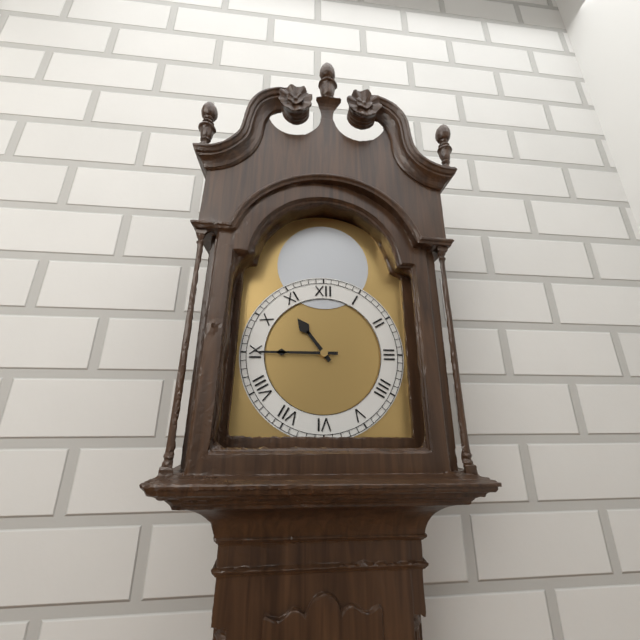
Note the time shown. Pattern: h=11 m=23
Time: h=10 m=45
